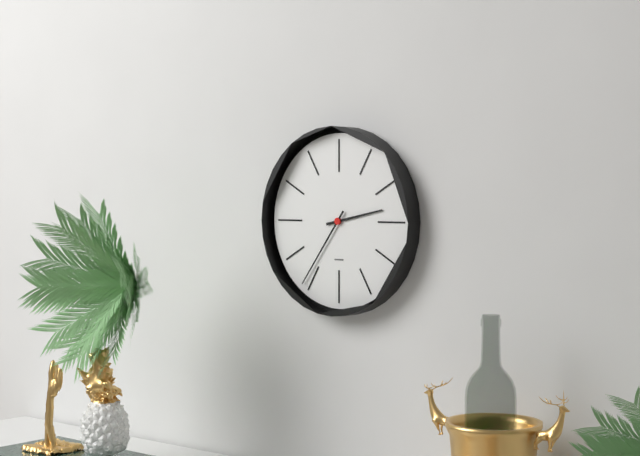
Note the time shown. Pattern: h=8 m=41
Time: h=2 m=36
